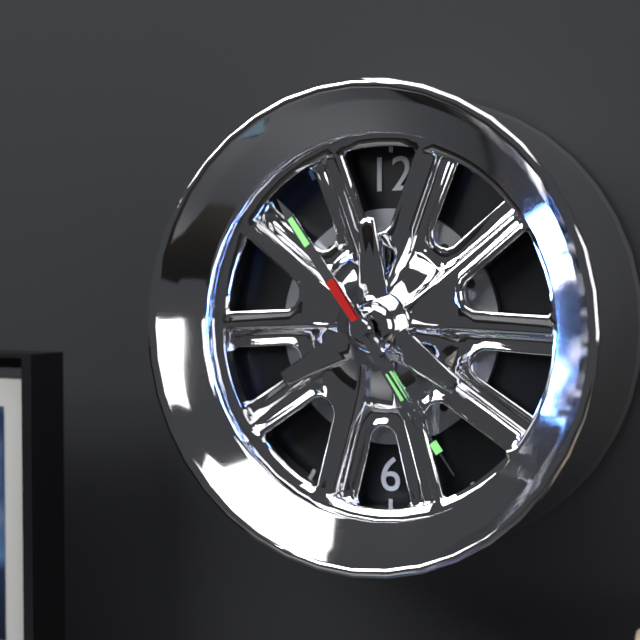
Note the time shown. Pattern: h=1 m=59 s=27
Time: h=4 m=54 s=24
